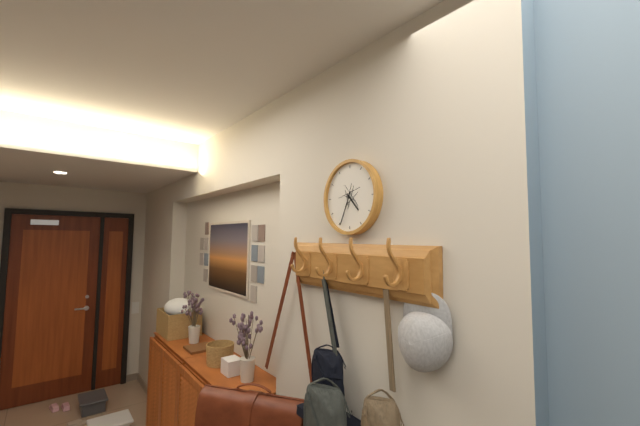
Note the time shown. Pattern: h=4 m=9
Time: h=4 m=34
